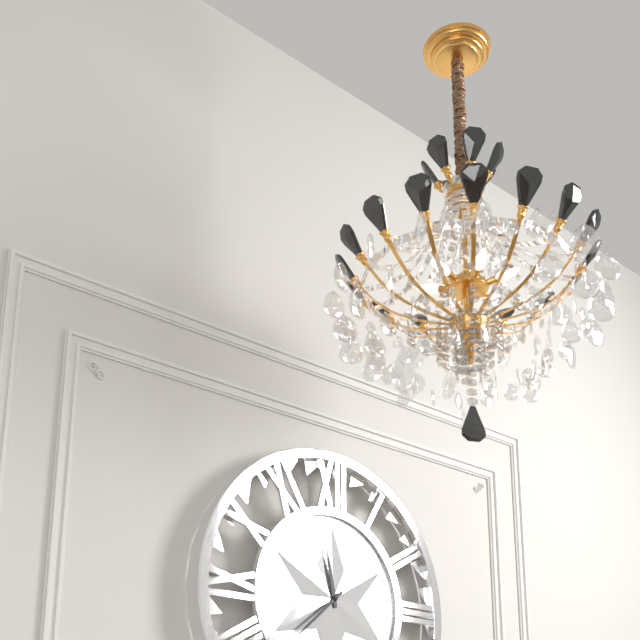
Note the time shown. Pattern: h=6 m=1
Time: h=11 m=38
